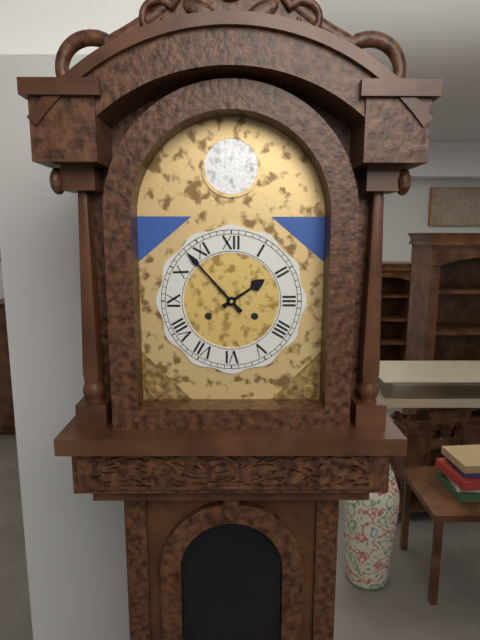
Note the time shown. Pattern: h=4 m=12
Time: h=1 m=53
